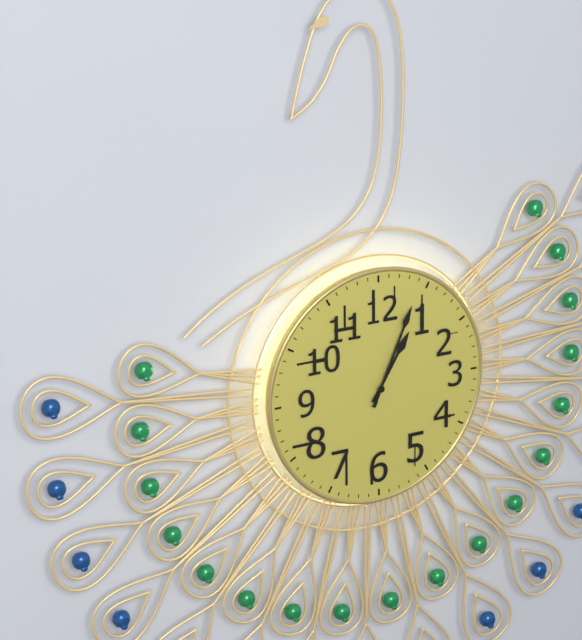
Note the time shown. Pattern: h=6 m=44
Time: h=1 m=4
